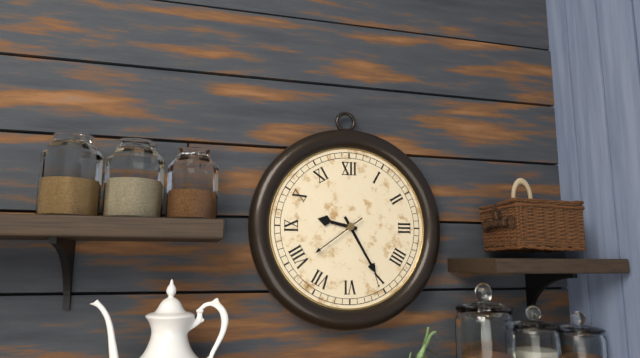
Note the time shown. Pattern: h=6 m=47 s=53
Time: h=9 m=25 s=39
